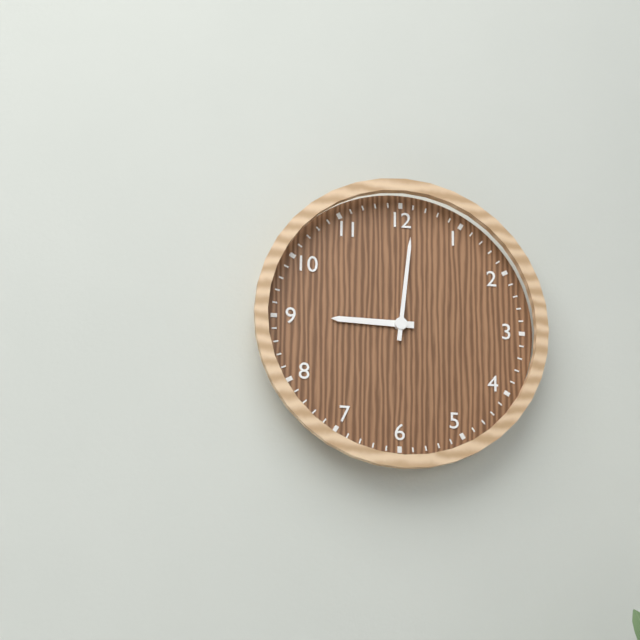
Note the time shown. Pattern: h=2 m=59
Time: h=9 m=1
